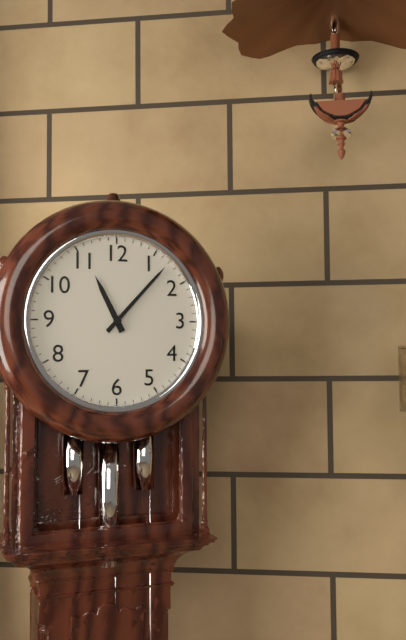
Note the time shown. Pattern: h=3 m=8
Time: h=11 m=7
